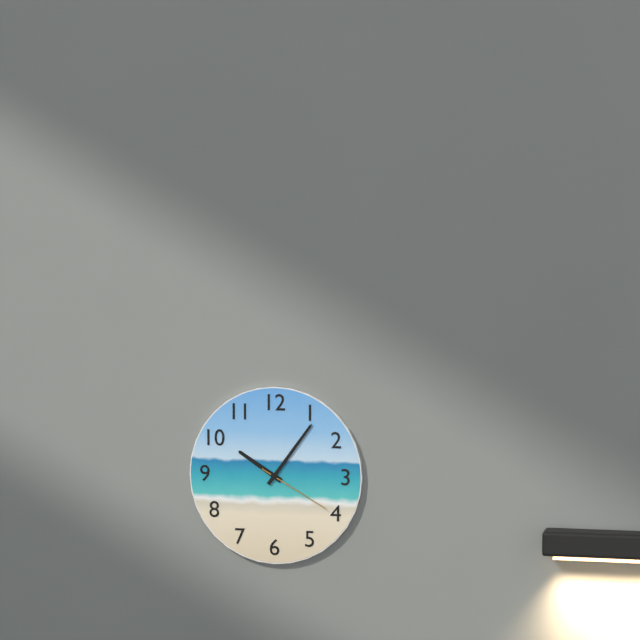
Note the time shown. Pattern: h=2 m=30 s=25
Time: h=10 m=6 s=20
